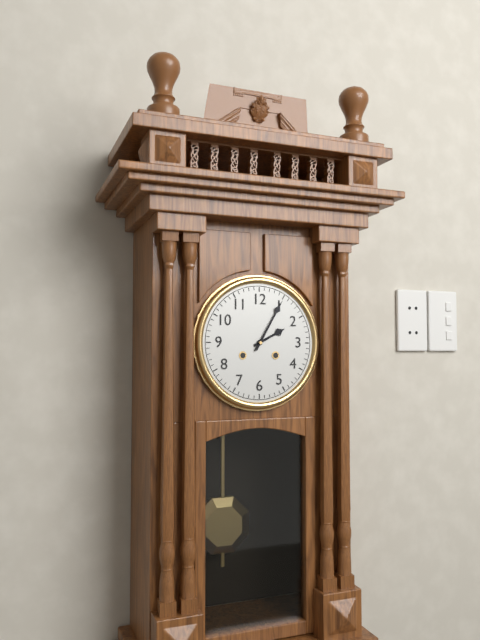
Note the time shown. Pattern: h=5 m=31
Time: h=2 m=5
